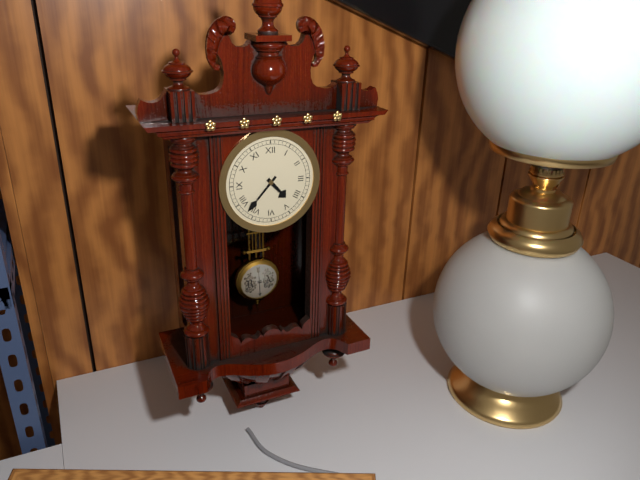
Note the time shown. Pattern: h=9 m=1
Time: h=4 m=37
